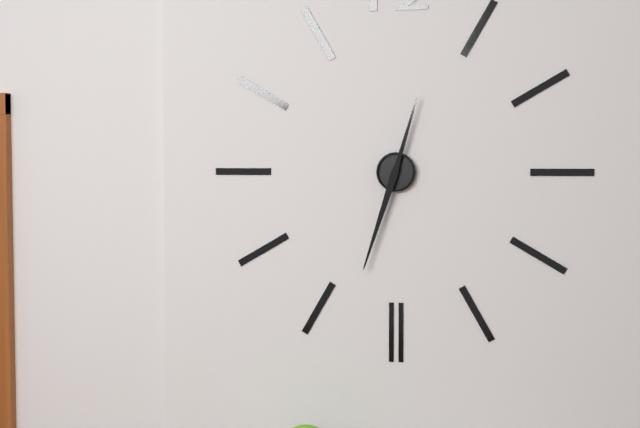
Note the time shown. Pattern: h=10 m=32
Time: h=12 m=33
